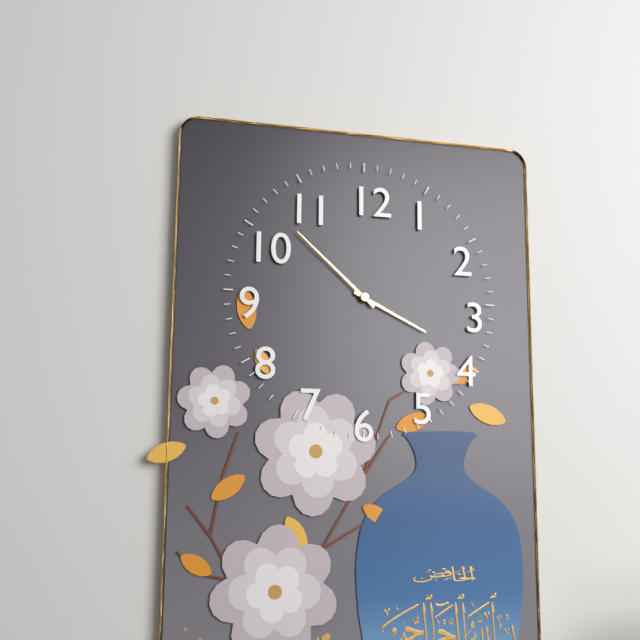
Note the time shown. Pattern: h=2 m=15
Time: h=3 m=52
